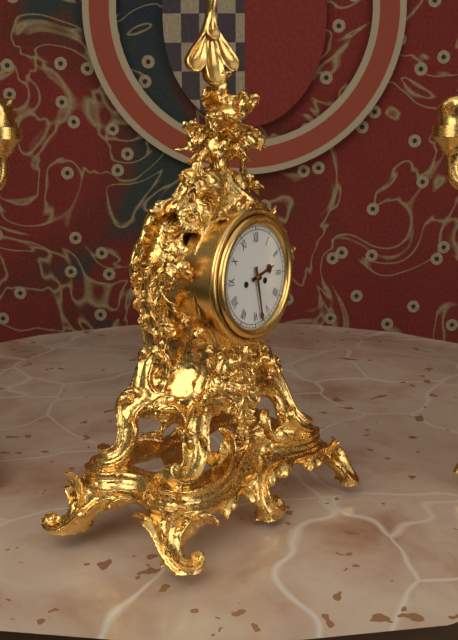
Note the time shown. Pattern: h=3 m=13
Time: h=2 m=28
